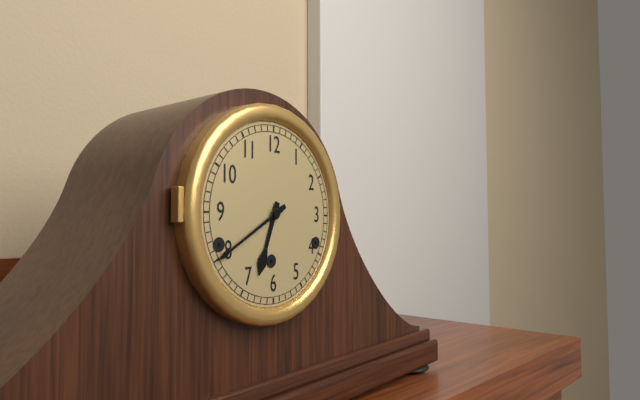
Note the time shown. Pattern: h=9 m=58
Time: h=6 m=40
